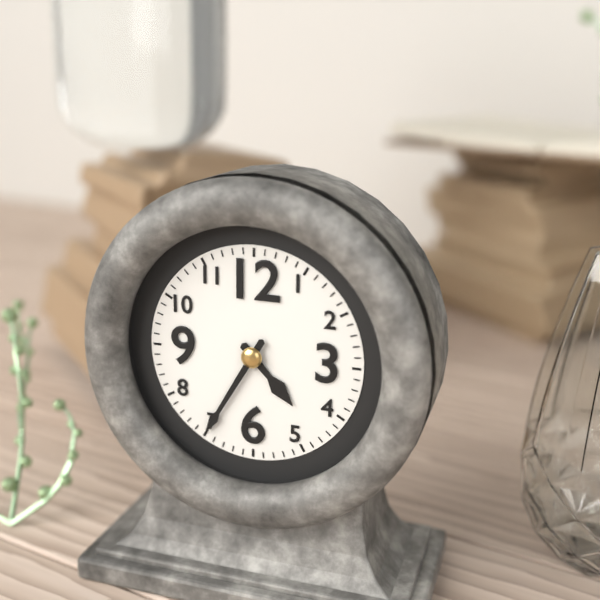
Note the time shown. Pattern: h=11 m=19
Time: h=4 m=35
